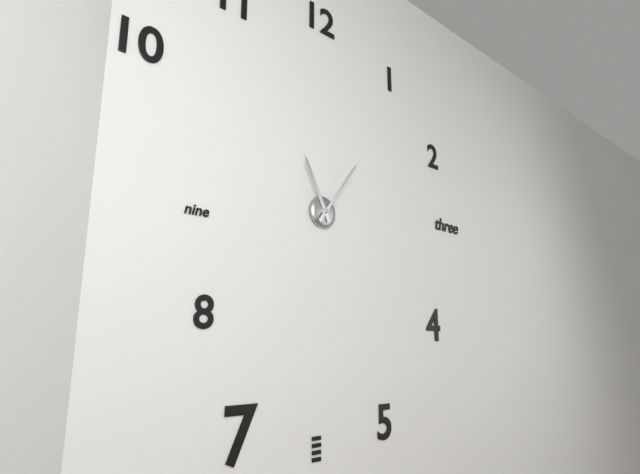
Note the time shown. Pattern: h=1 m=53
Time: h=11 m=6
